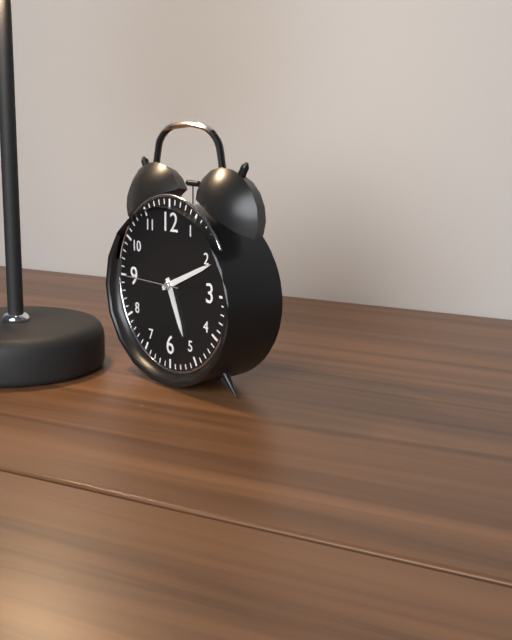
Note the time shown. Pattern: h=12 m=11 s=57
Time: h=5 m=11 s=45
